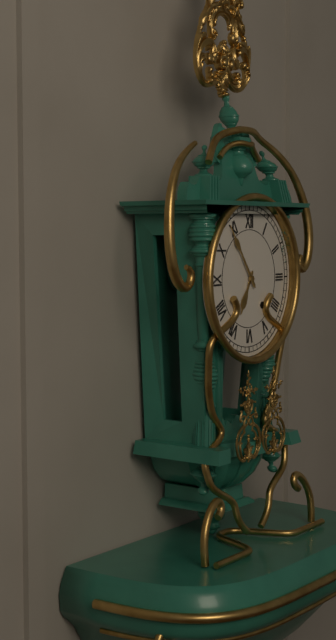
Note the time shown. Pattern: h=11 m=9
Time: h=6 m=54
